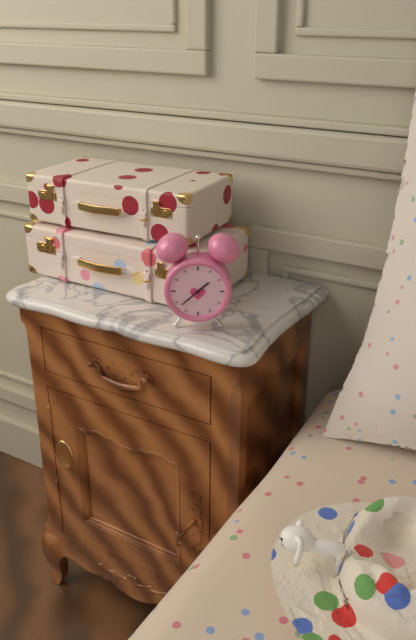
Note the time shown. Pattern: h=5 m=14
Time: h=1 m=38
